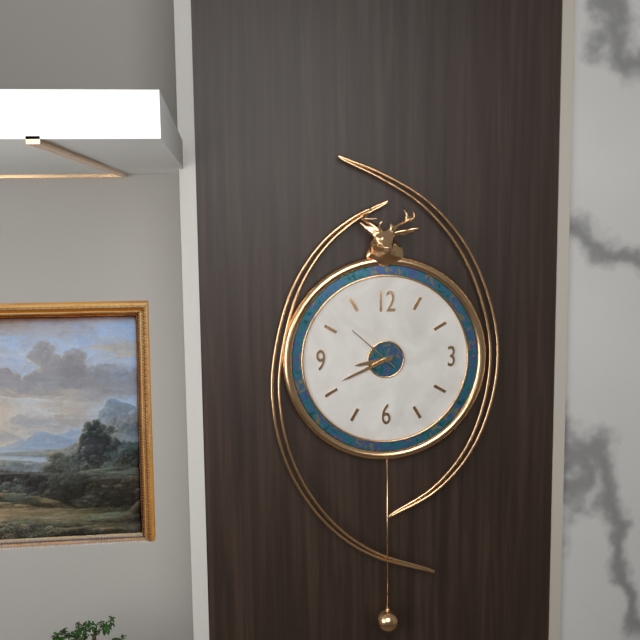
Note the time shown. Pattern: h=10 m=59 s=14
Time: h=8 m=41 s=52
